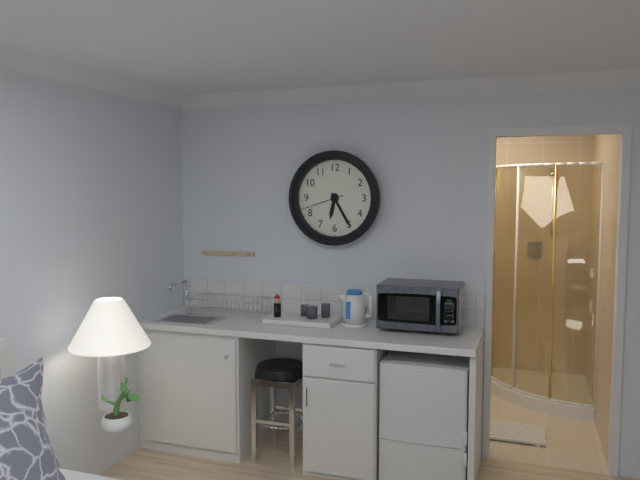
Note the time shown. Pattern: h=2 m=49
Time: h=6 m=25
